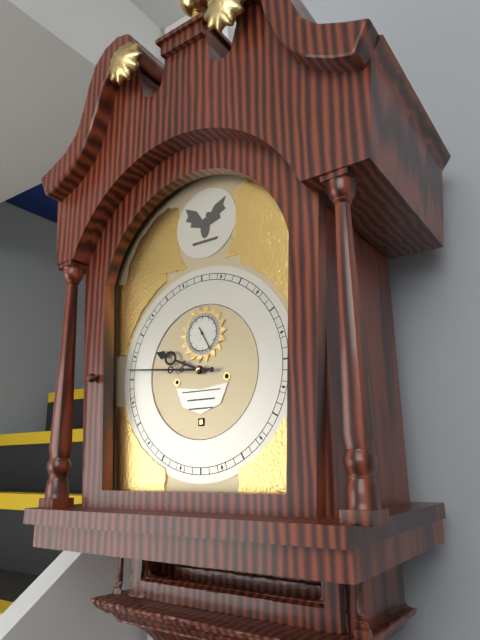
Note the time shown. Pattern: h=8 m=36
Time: h=9 m=46
